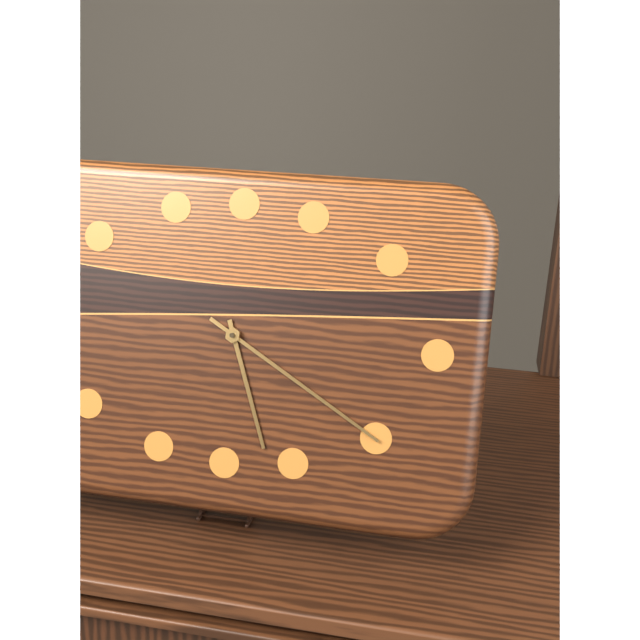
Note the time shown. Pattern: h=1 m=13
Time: h=5 m=20
